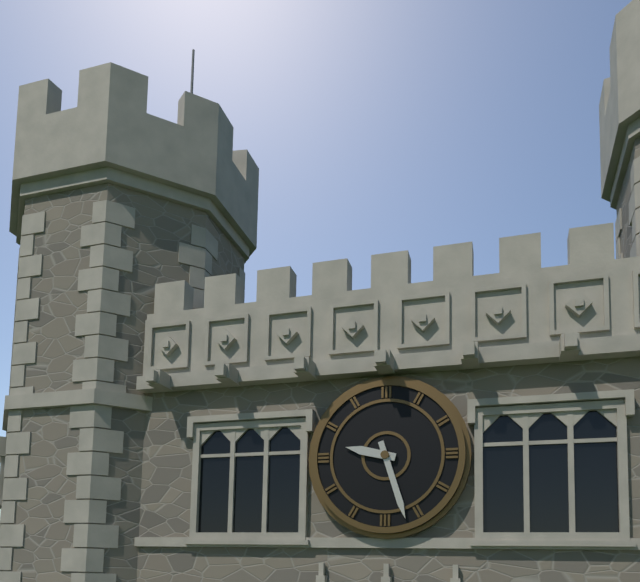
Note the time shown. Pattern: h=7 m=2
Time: h=9 m=27
